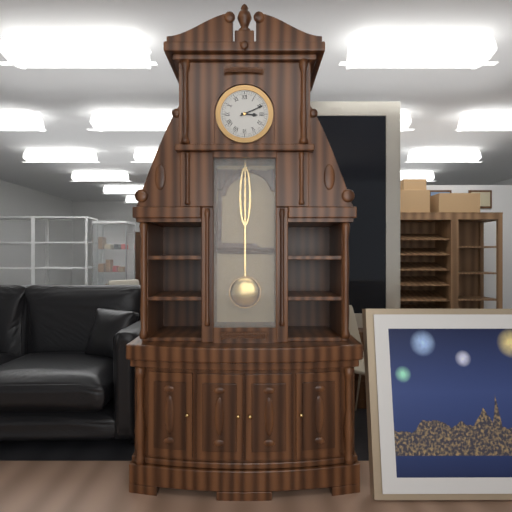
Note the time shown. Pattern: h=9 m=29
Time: h=3 m=11
